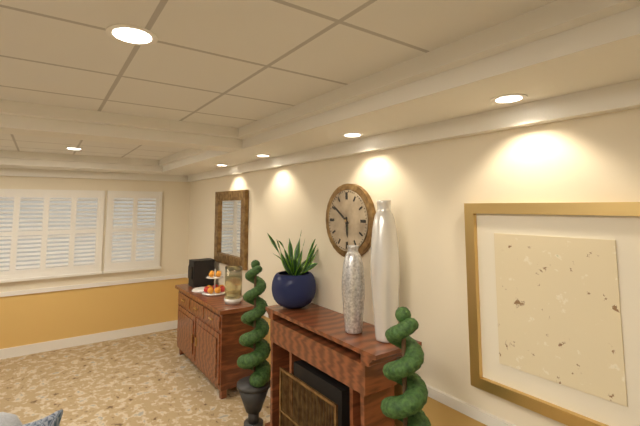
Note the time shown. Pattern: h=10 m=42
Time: h=5 m=51
